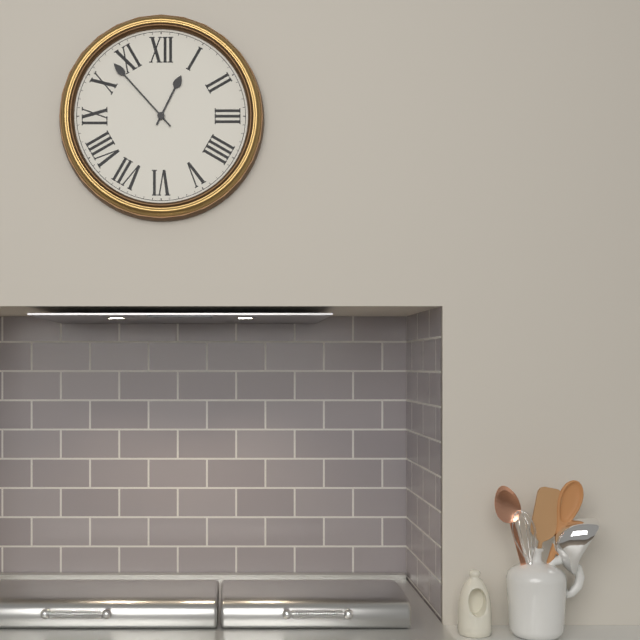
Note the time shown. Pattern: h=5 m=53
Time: h=12 m=53
